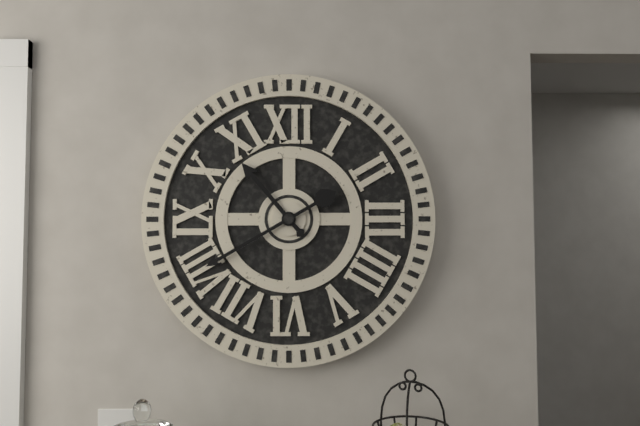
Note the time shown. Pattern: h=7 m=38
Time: h=10 m=40
